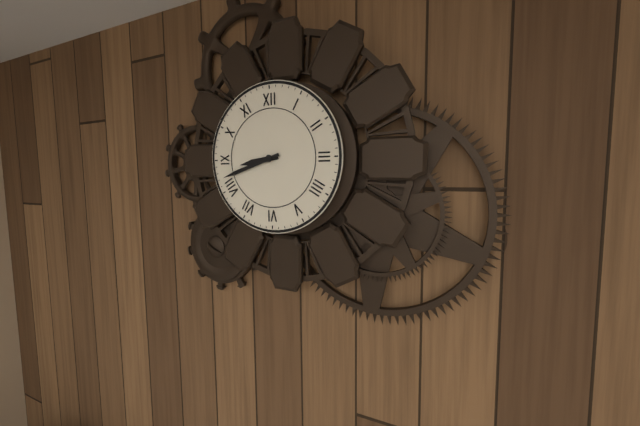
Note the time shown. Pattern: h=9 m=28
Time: h=8 m=42
